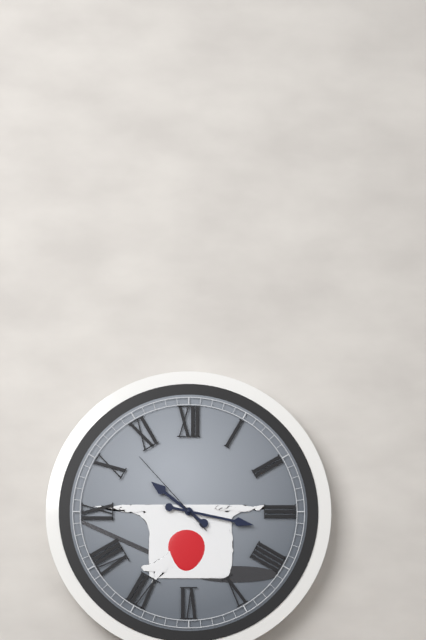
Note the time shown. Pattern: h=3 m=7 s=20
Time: h=10 m=17 s=53
